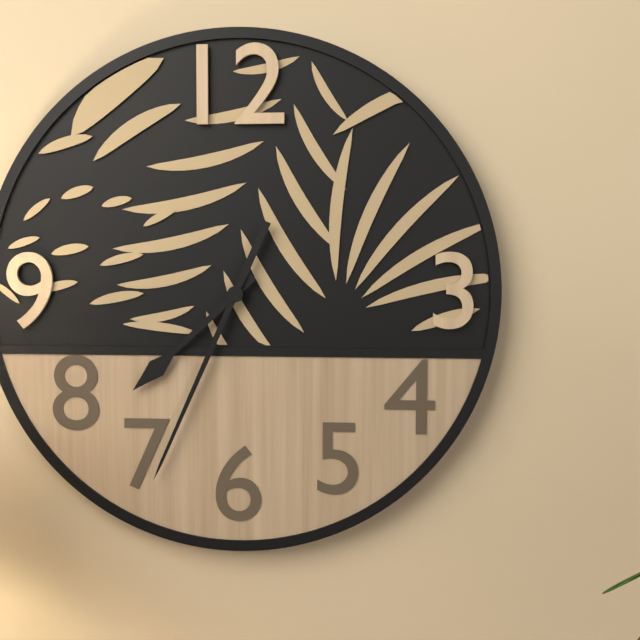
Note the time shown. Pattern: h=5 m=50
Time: h=7 m=34
